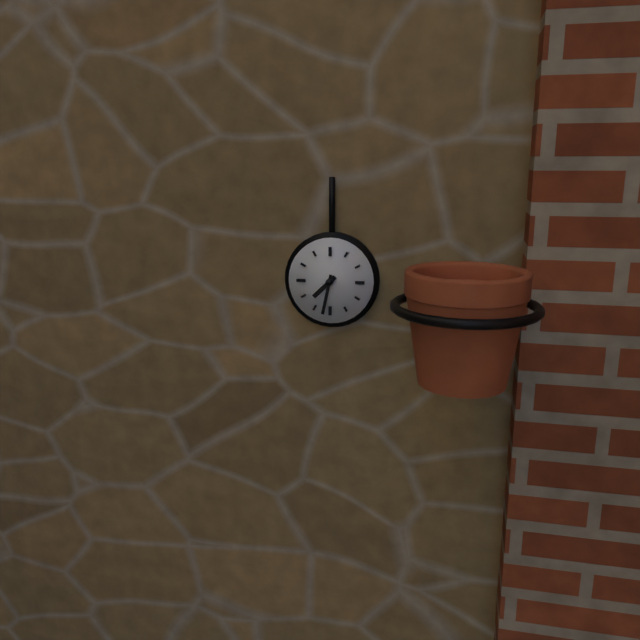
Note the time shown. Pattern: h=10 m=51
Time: h=7 m=32
